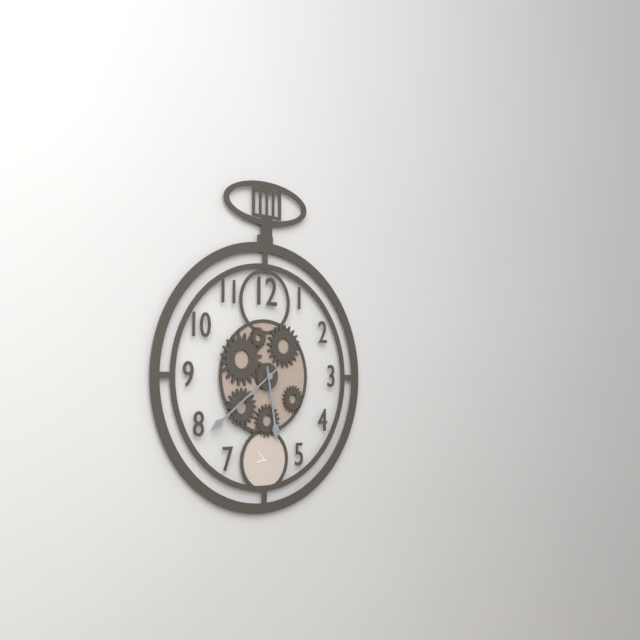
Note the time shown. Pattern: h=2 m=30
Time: h=5 m=39
